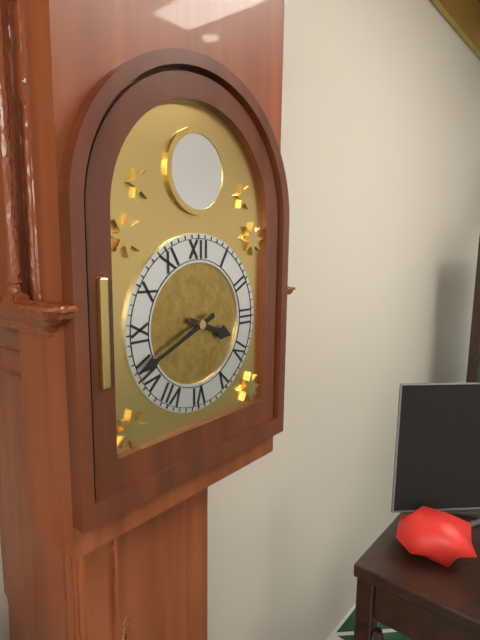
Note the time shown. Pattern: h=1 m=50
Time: h=3 m=41
